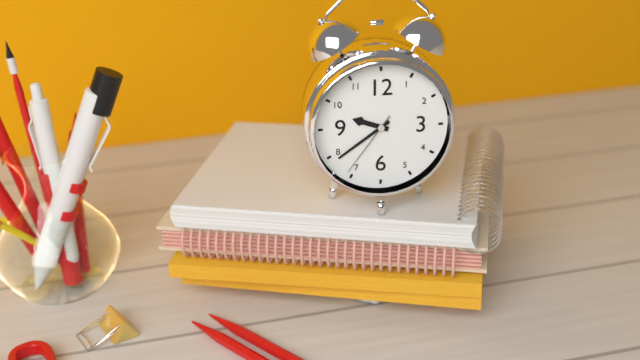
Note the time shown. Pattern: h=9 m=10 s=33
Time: h=9 m=39 s=36
